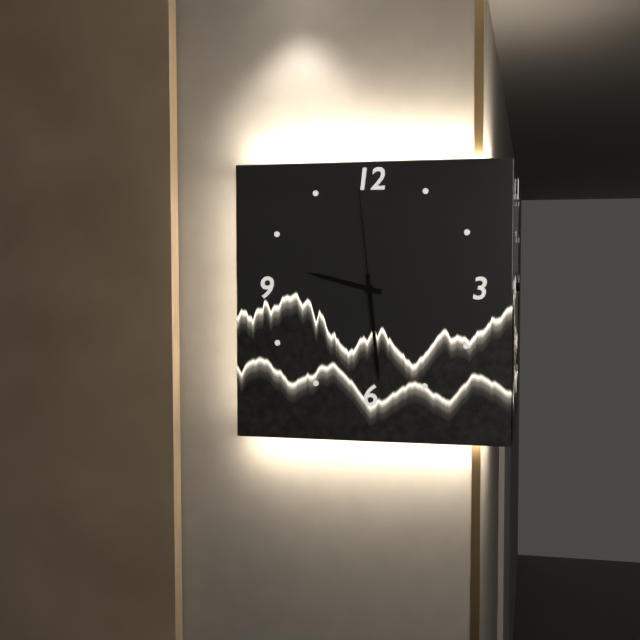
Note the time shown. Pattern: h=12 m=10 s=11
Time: h=9 m=29 s=59
